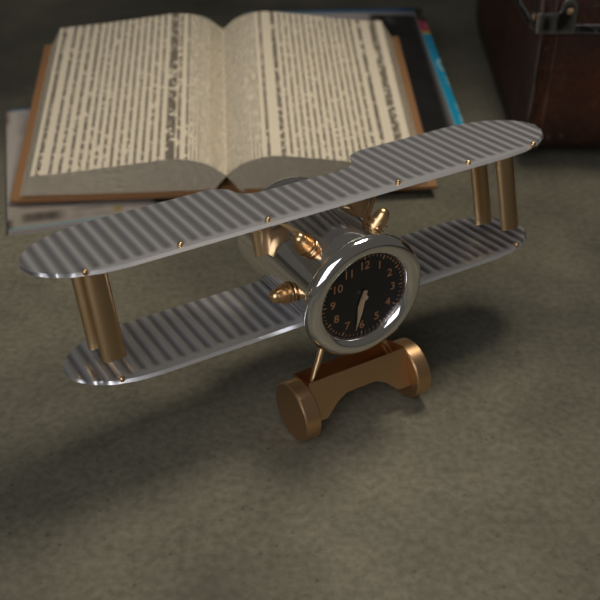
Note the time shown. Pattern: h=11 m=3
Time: h=6 m=32
